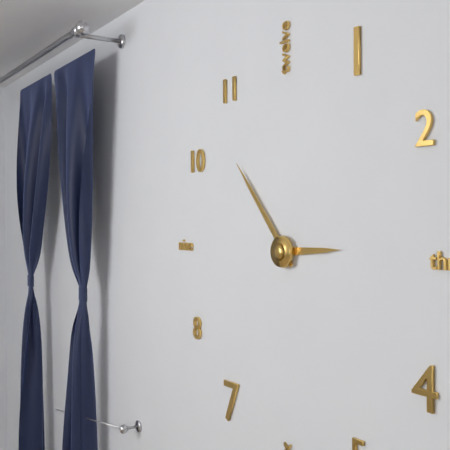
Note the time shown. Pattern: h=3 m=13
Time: h=2 m=53
